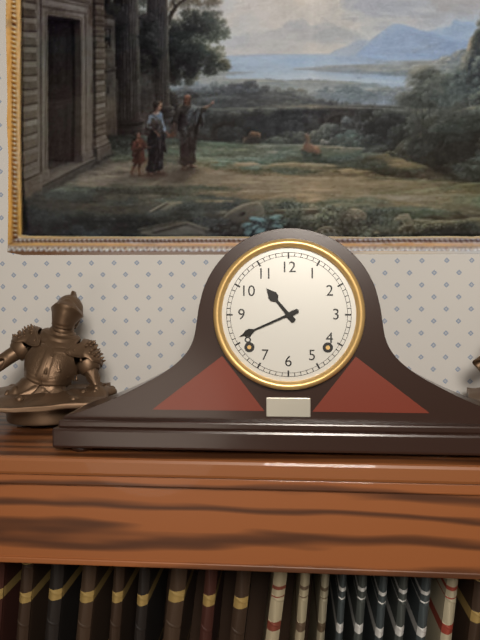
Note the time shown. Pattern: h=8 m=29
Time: h=10 m=41
